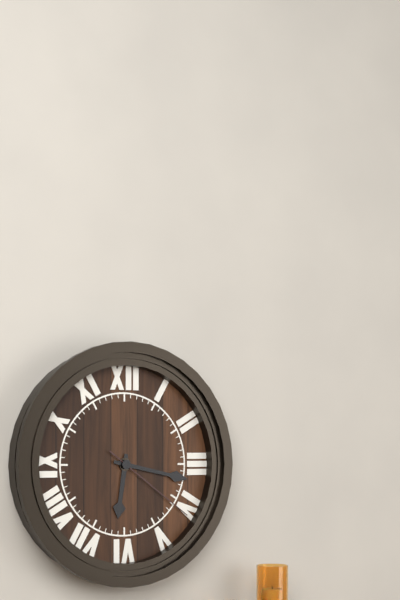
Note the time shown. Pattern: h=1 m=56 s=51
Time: h=6 m=17 s=21
